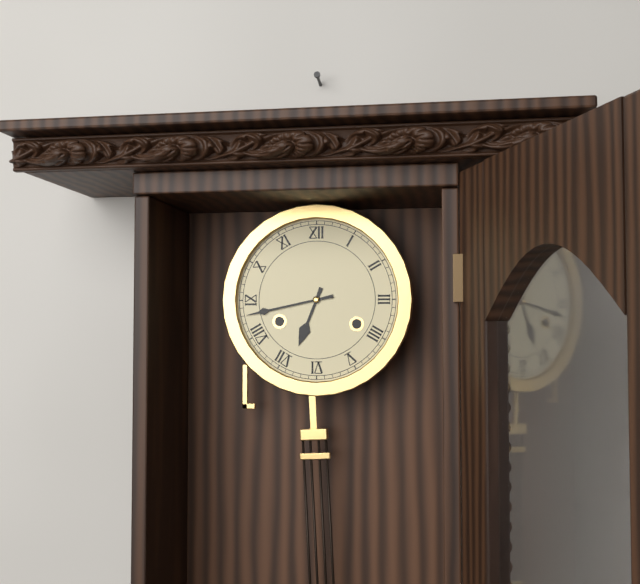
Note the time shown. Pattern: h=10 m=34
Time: h=6 m=43
